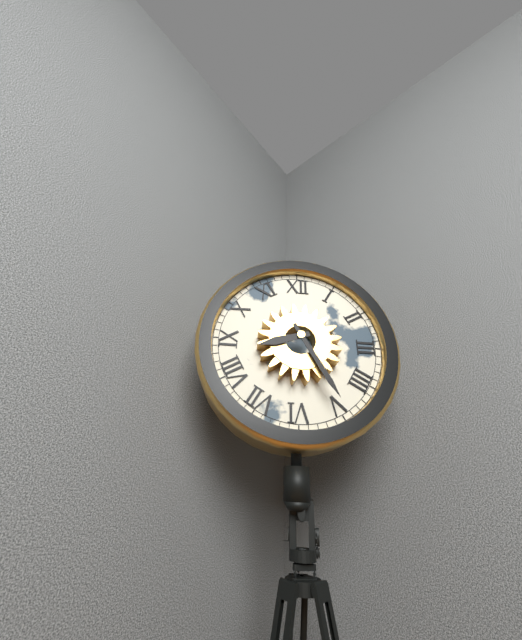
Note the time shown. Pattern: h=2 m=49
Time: h=8 m=25
